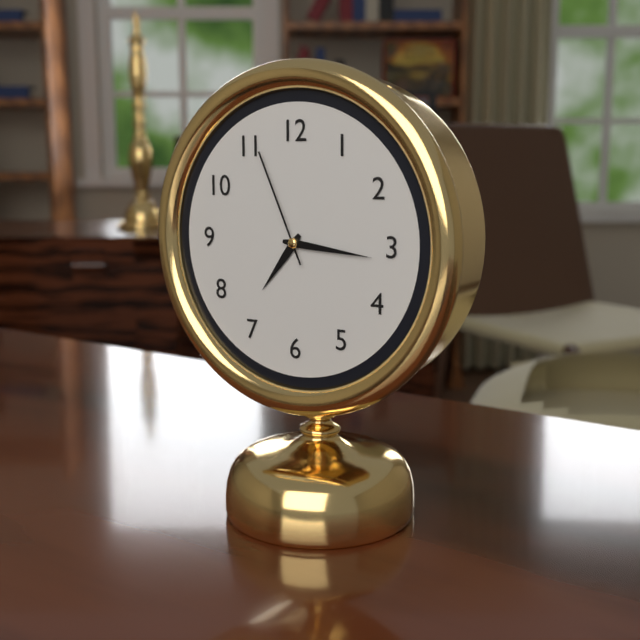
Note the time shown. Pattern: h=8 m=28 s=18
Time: h=7 m=16 s=56
